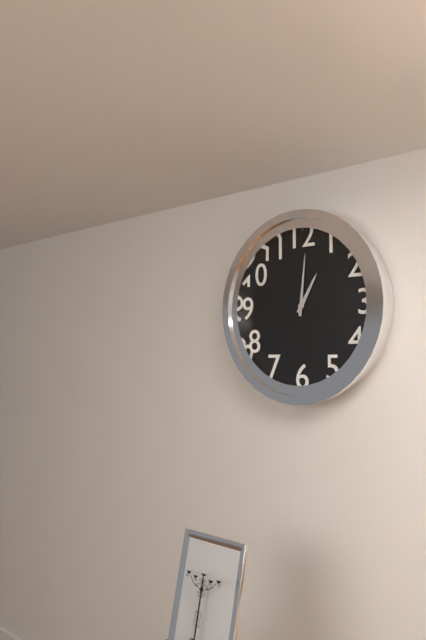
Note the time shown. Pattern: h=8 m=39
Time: h=1 m=1
